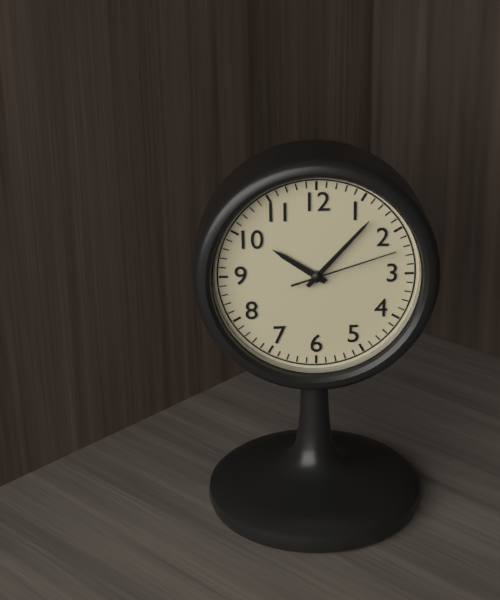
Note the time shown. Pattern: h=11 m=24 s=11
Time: h=10 m=7 s=12
